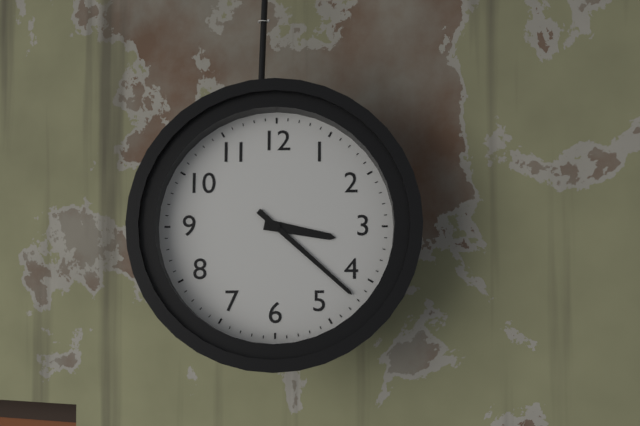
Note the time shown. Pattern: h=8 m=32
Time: h=3 m=22
